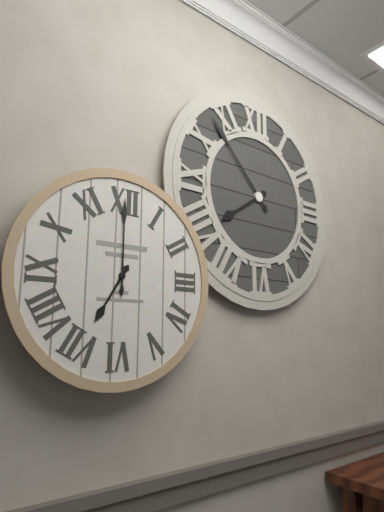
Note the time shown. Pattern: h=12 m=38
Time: h=7 m=0
